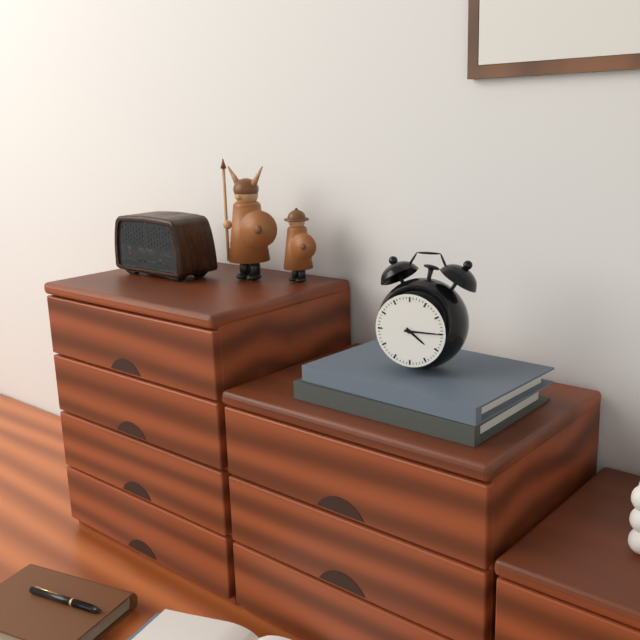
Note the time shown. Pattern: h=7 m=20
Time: h=4 m=15
